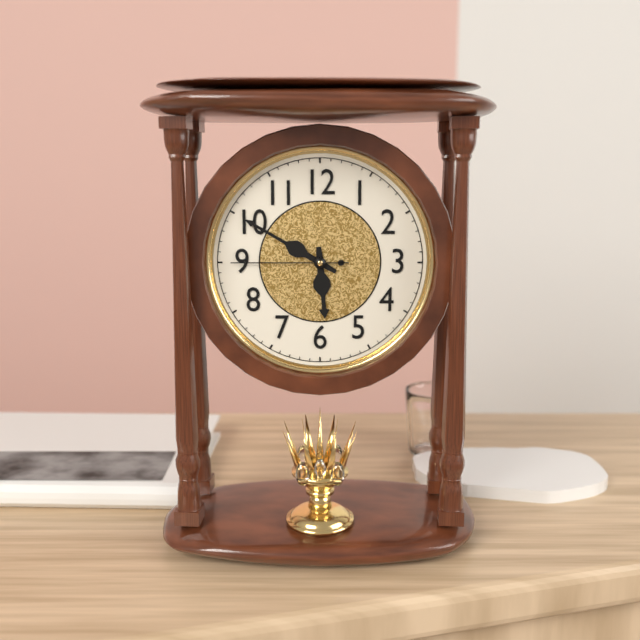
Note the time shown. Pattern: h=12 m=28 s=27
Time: h=5 m=50 s=45
